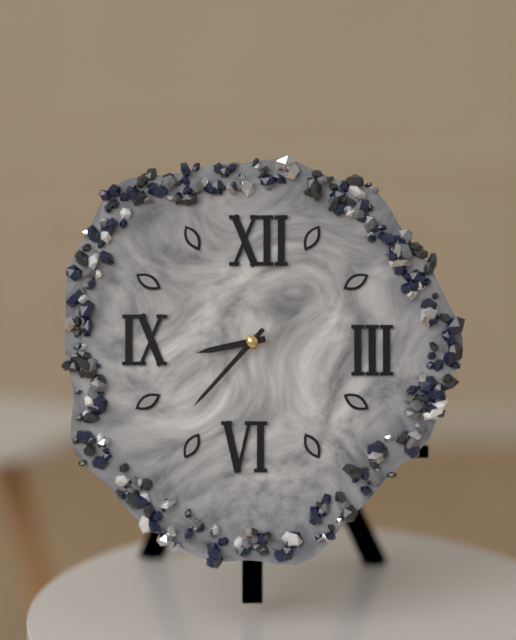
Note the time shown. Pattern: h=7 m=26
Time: h=8 m=37
